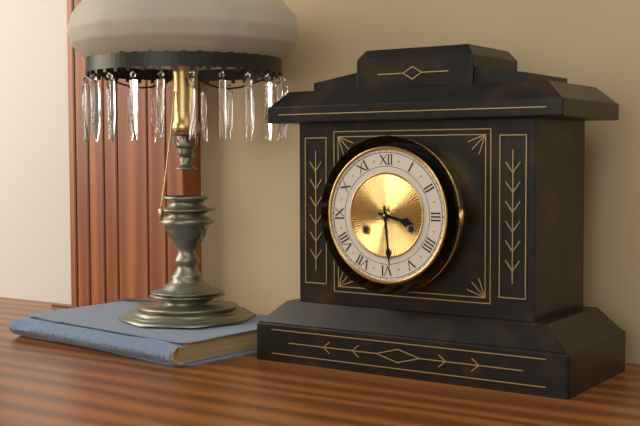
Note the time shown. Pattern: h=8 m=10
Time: h=3 m=29
